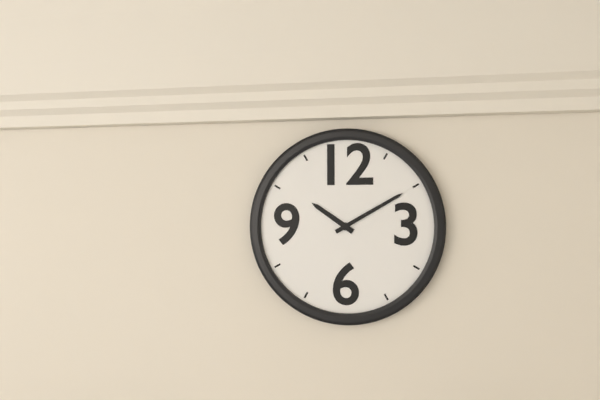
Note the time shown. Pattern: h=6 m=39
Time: h=10 m=10
